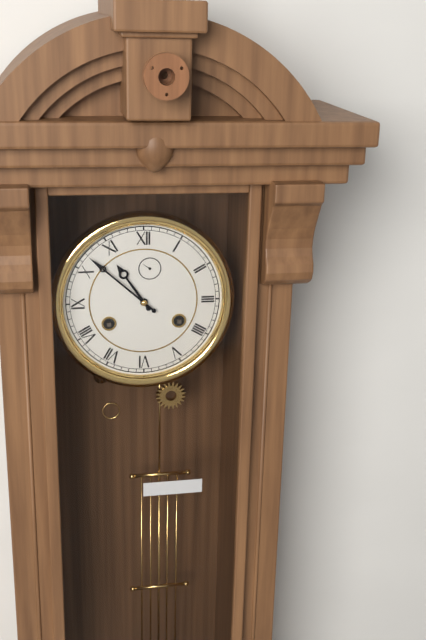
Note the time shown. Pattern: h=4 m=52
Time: h=10 m=52
